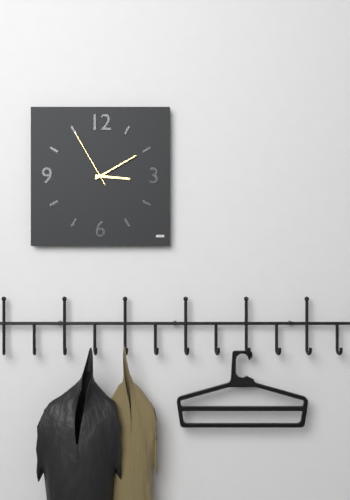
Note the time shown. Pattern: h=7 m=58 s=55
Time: h=3 m=10 s=55
